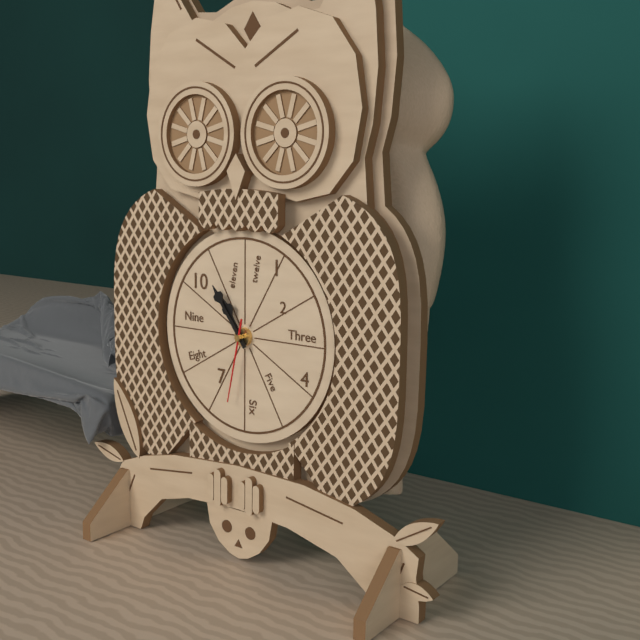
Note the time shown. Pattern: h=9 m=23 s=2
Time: h=10 m=54 s=32
